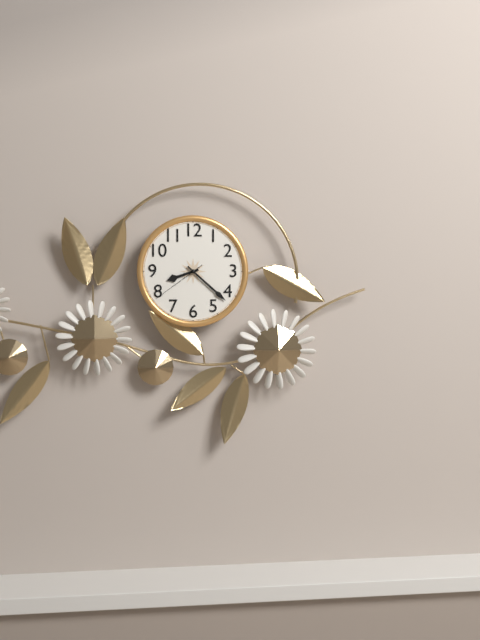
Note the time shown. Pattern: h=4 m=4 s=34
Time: h=8 m=22 s=39
